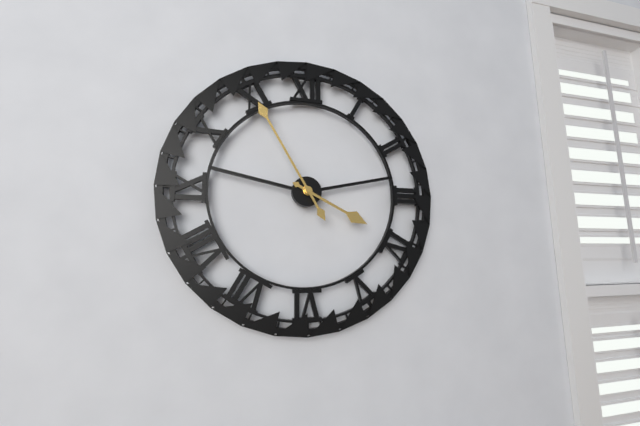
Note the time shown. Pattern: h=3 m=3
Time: h=3 m=55
